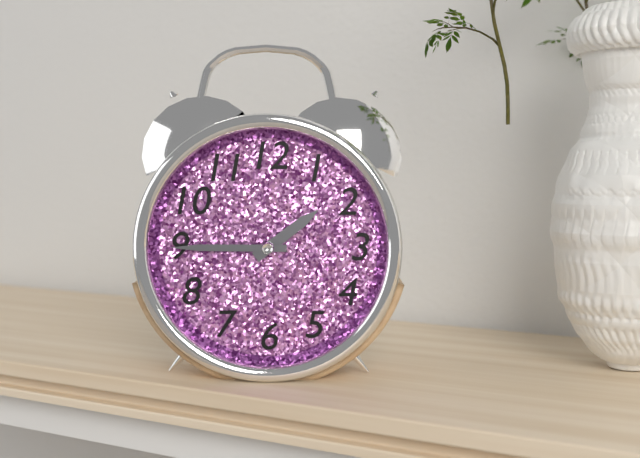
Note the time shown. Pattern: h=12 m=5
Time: h=1 m=45
